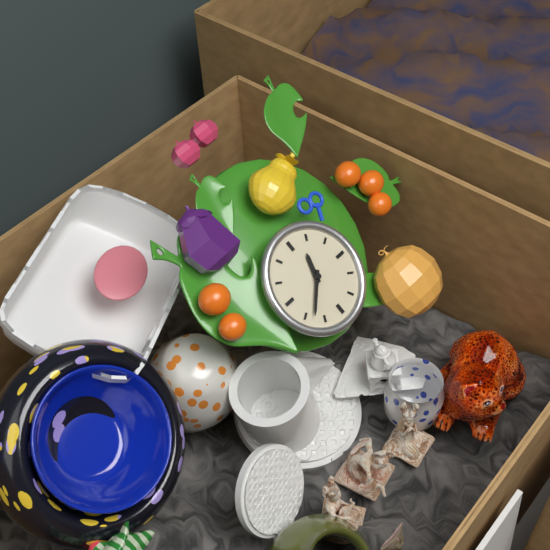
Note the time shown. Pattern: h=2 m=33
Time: h=12 m=38
